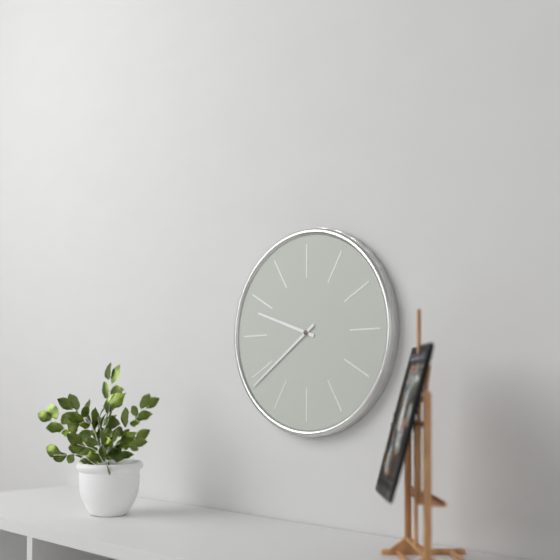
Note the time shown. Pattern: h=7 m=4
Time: h=9 m=39
